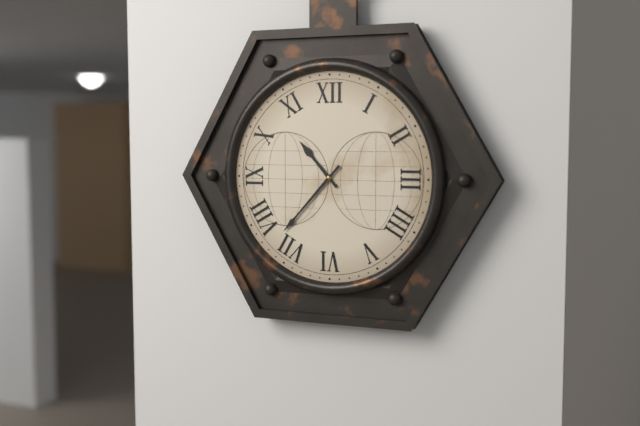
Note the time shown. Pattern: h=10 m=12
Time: h=10 m=37
